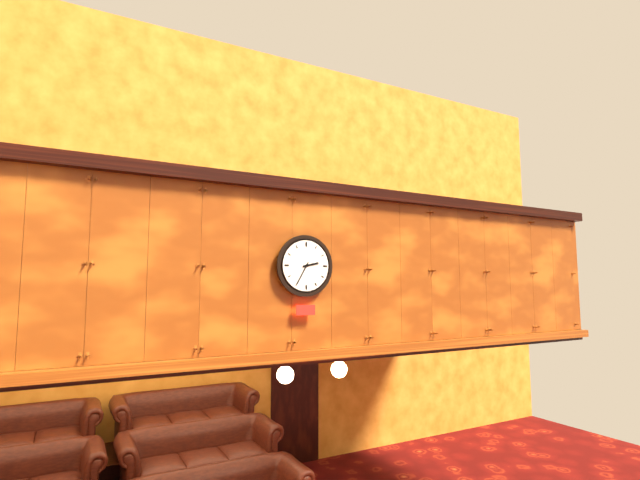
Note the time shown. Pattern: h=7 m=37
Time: h=2 m=35
